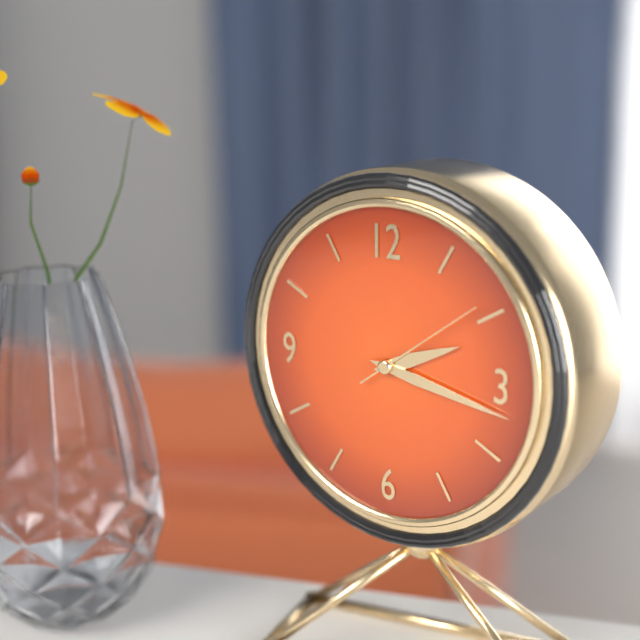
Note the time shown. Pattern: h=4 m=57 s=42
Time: h=2 m=17 s=9
